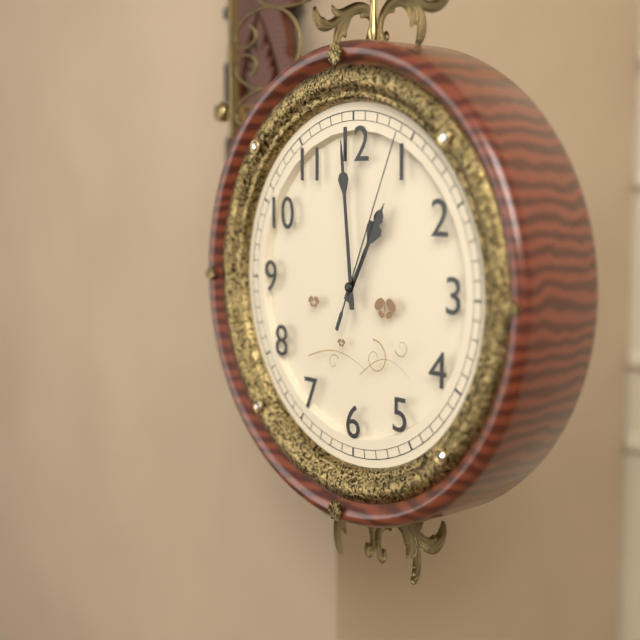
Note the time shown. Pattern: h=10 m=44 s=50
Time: h=12 m=59 s=4
